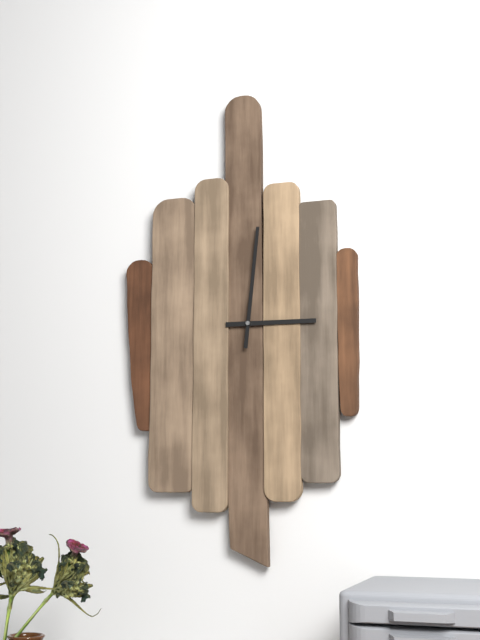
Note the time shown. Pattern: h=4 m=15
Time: h=3 m=1
